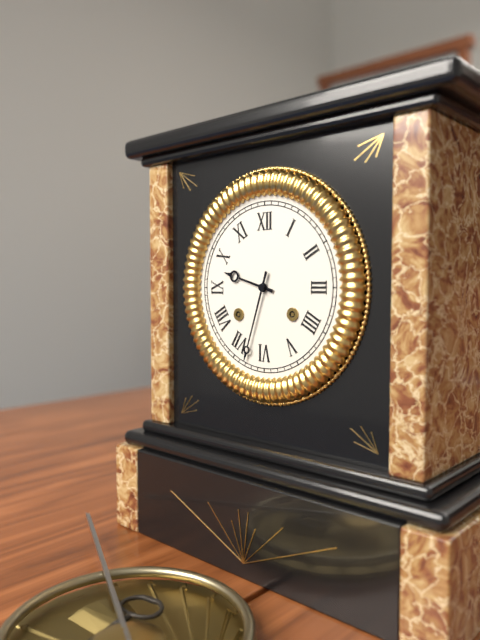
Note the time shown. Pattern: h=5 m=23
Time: h=9 m=33
